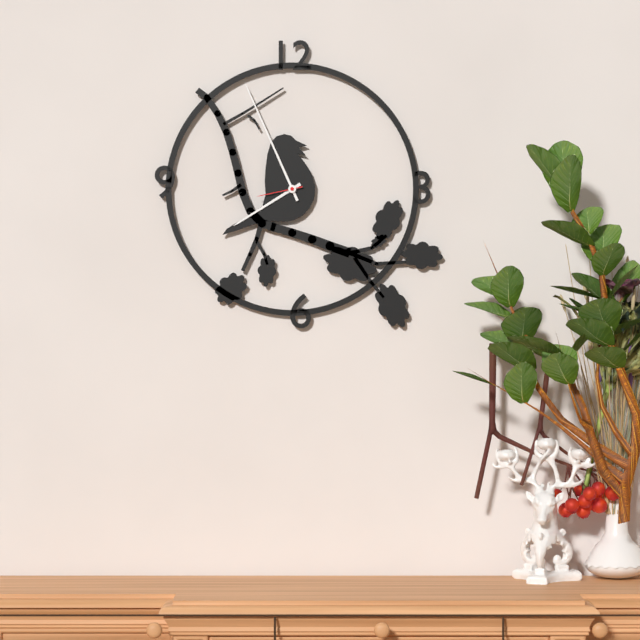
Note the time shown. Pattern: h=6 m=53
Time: h=7 m=56
